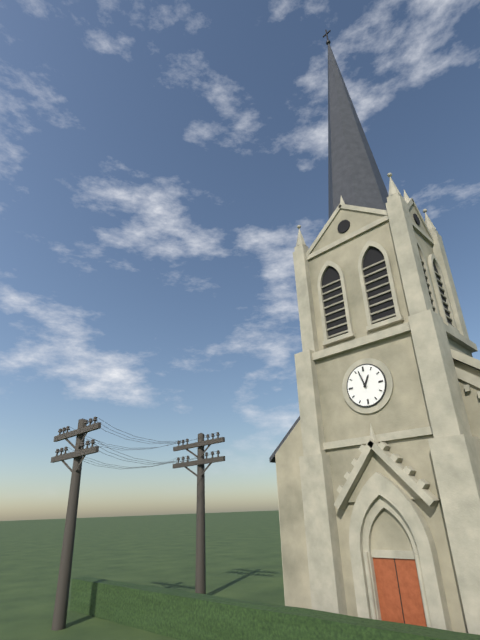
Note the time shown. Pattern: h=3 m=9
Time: h=12 m=57
